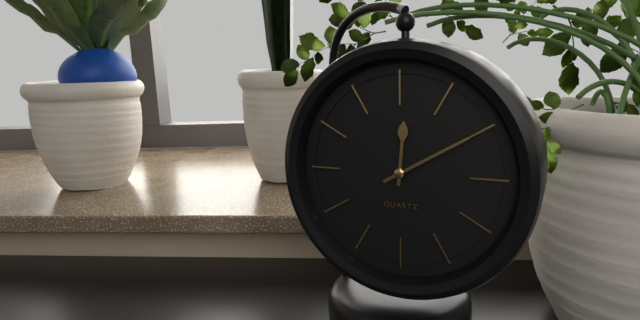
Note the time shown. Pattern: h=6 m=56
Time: h=12 m=10
